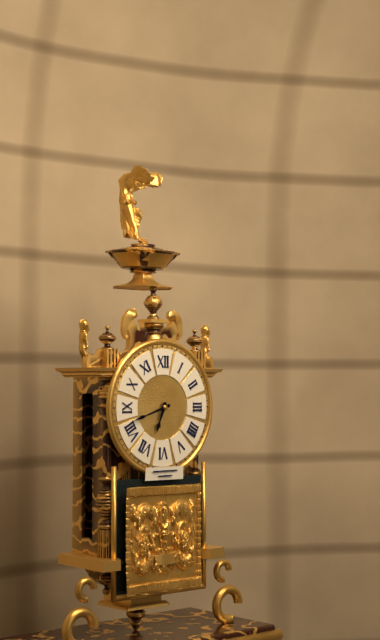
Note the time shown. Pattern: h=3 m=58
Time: h=6 m=42
